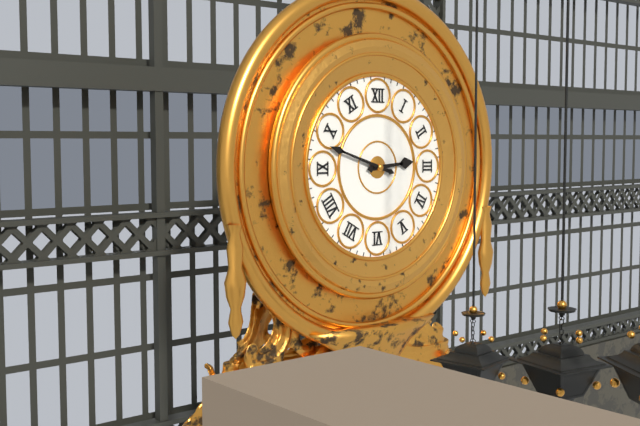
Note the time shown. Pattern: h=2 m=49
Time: h=2 m=48
